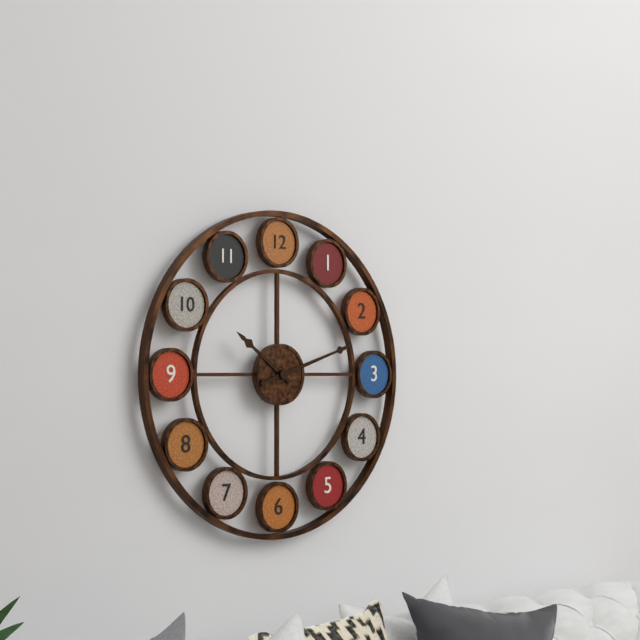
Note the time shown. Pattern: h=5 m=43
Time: h=10 m=12
